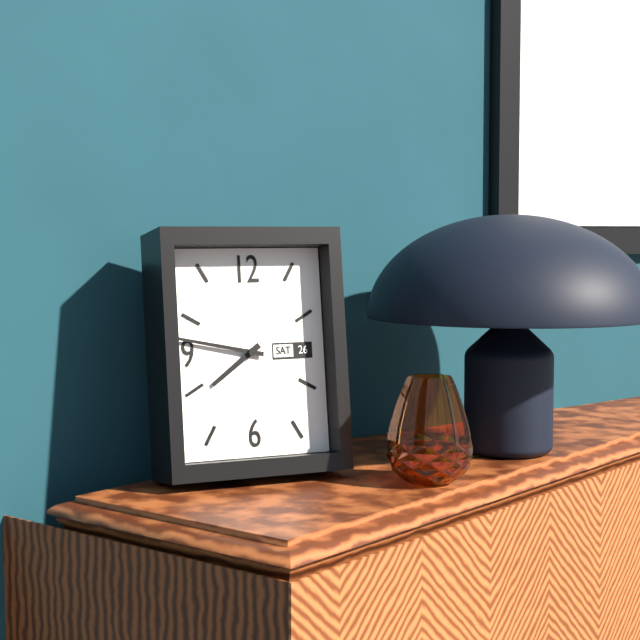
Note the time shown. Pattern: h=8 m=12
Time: h=7 m=47
